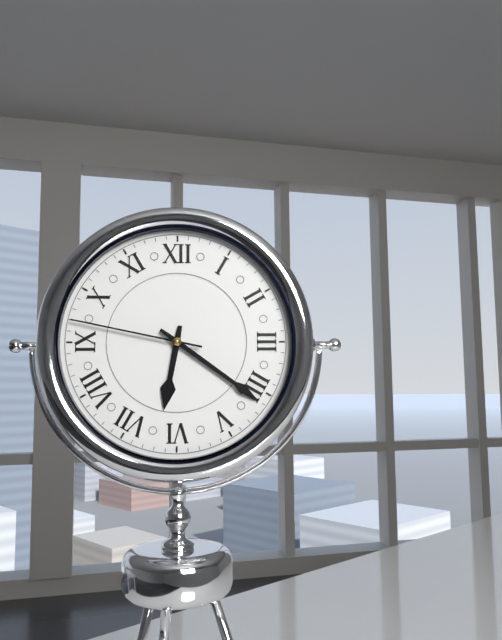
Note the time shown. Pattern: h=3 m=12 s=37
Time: h=6 m=21 s=47
